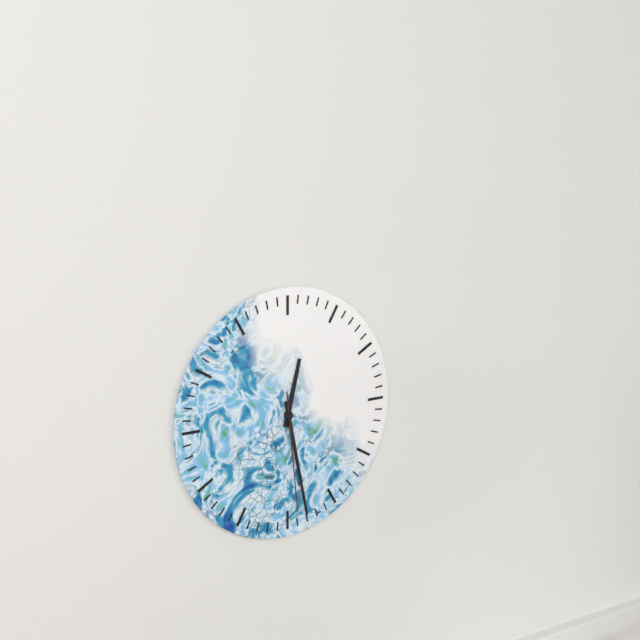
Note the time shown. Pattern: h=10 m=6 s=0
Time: h=12 m=28 s=29
